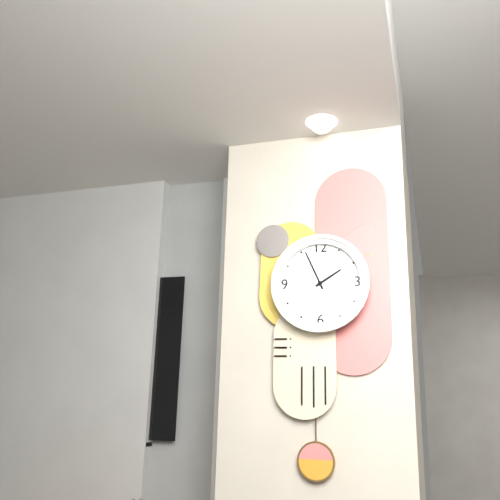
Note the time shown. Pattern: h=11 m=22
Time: h=1 m=56
